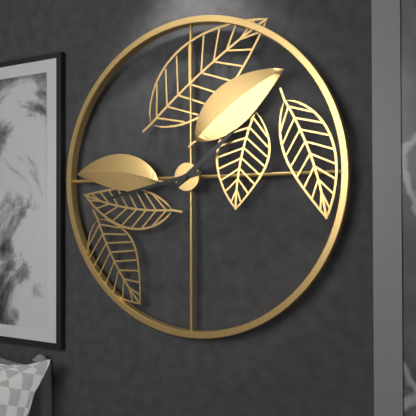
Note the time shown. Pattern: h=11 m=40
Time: h=1 m=43
